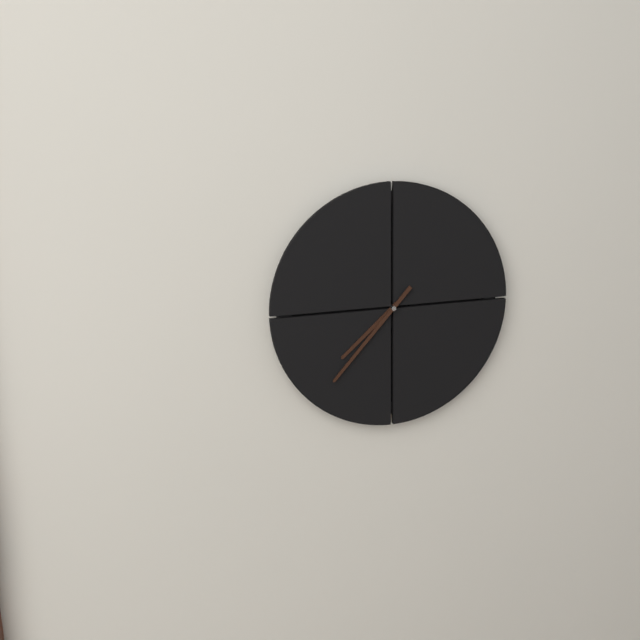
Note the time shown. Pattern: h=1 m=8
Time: h=7 m=37
